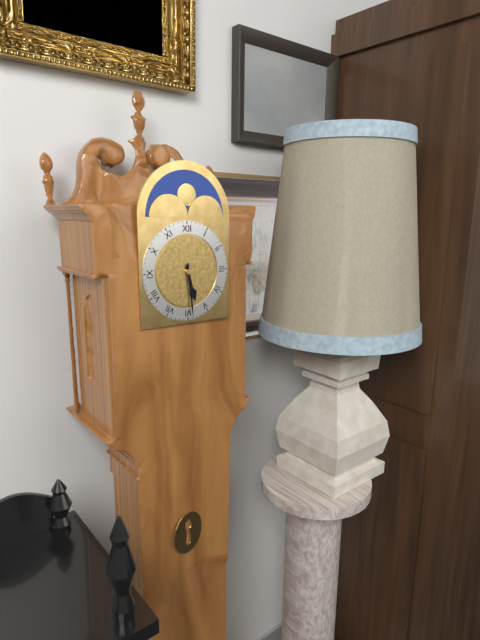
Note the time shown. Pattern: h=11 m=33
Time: h=5 m=29
